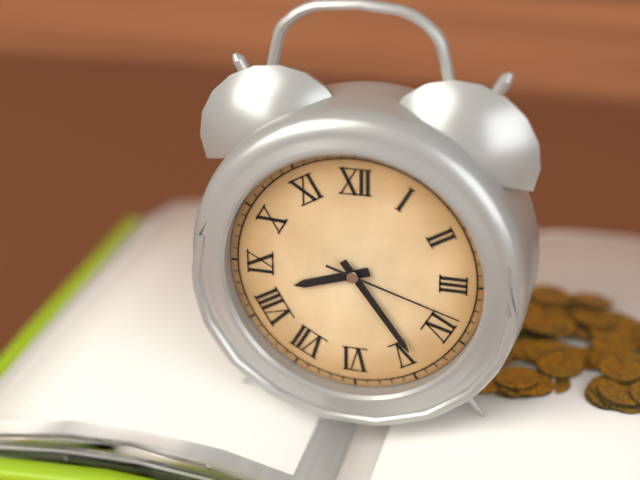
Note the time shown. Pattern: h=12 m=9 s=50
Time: h=8 m=24 s=18
